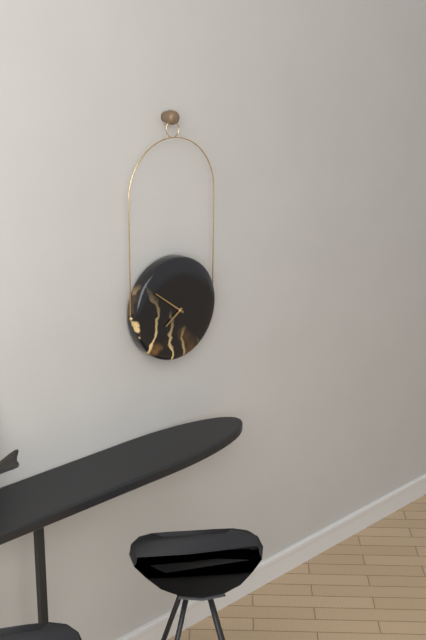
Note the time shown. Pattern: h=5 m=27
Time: h=7 m=51
